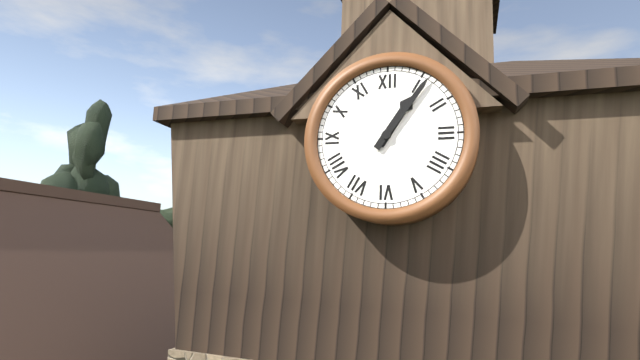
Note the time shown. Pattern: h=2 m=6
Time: h=1 m=6
